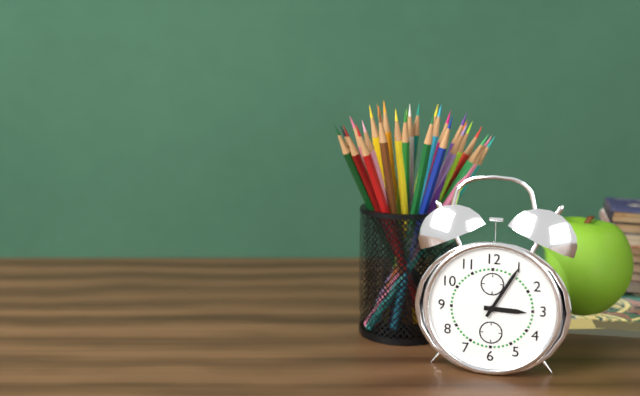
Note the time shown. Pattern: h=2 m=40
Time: h=3 m=5
